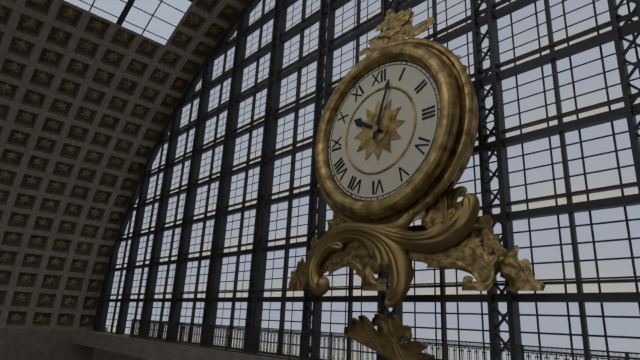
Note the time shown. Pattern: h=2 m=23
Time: h=10 m=3
